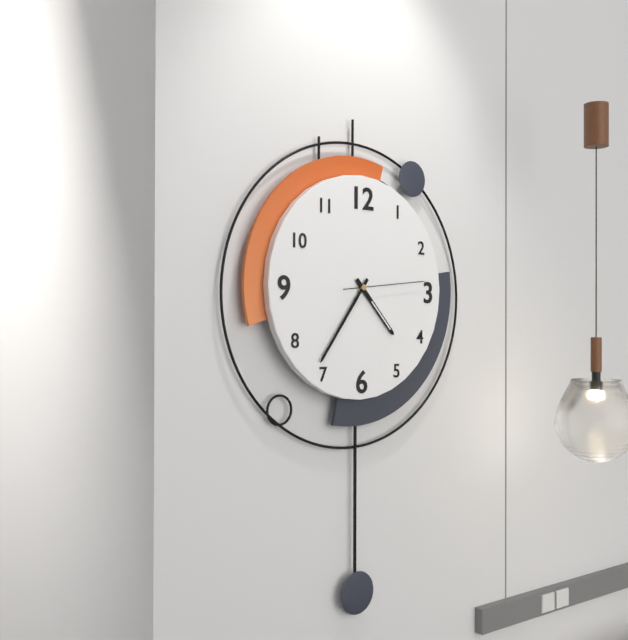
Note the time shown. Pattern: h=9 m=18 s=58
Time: h=4 m=36 s=14
